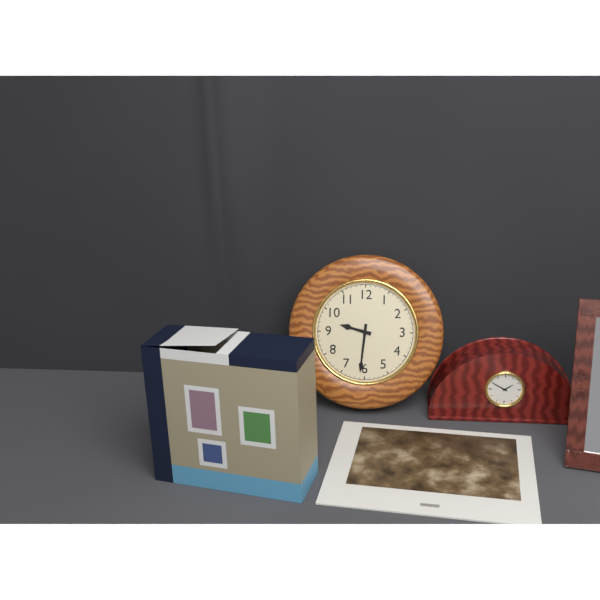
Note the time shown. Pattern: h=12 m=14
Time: h=9 m=31
